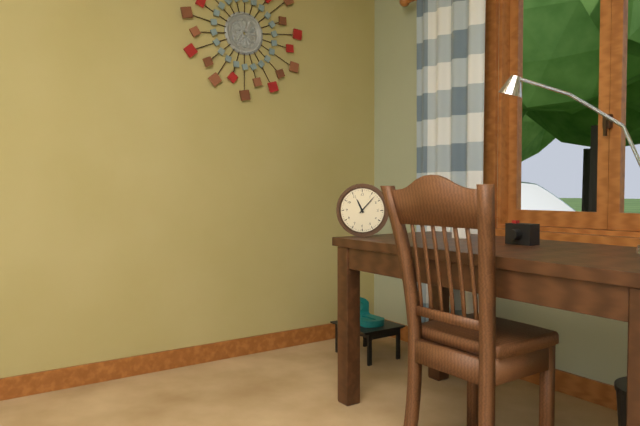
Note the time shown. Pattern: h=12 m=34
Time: h=11 m=7
